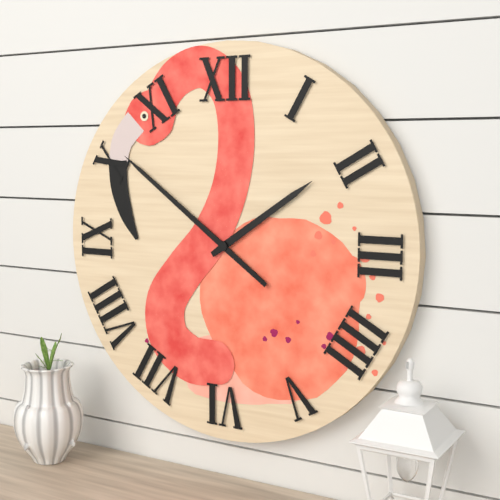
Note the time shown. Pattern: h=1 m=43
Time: h=1 m=51
